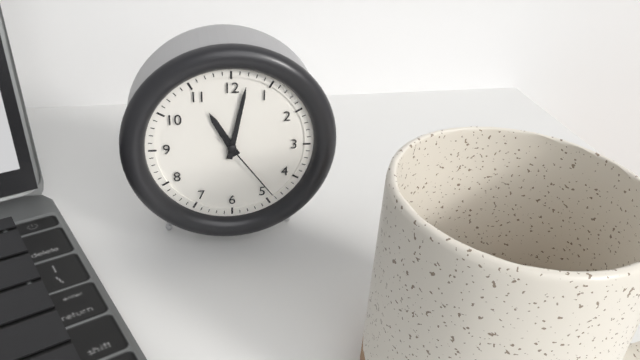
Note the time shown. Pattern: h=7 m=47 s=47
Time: h=11 m=2 s=24
